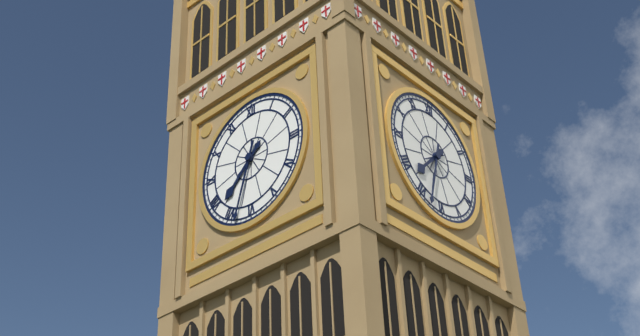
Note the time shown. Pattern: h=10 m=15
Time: h=7 m=33
